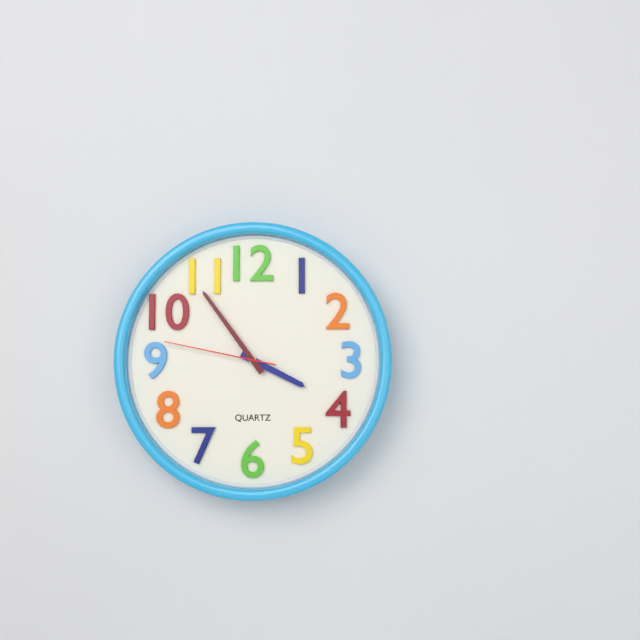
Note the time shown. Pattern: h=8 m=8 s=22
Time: h=3 m=54 s=47
